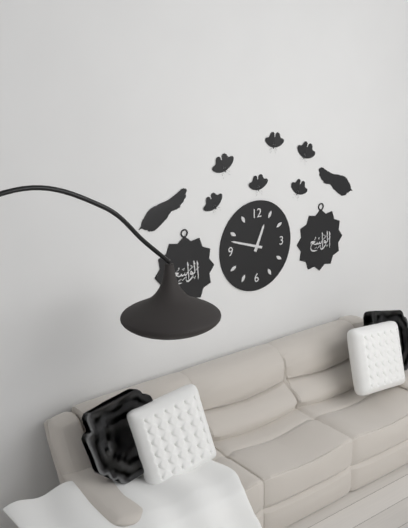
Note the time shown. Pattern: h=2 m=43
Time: h=12 m=48
